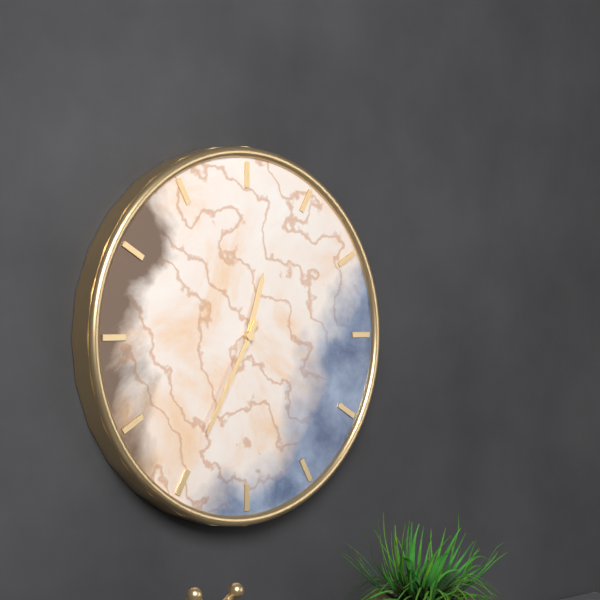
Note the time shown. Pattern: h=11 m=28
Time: h=12 m=35
